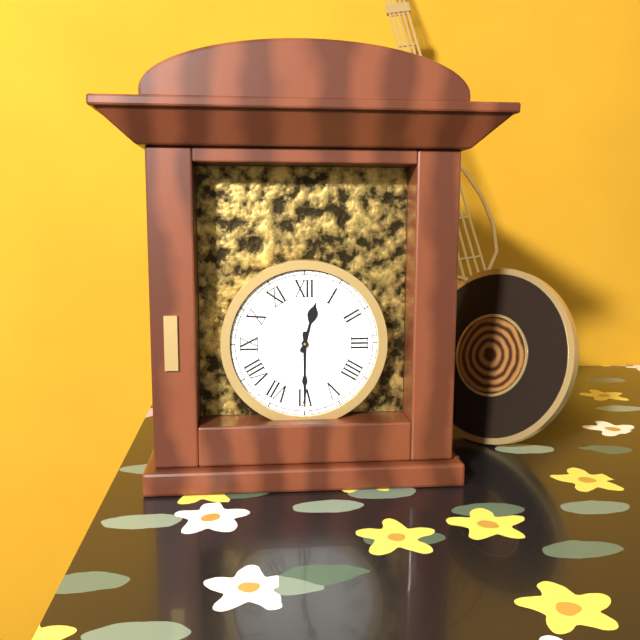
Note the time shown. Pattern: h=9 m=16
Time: h=12 m=30
